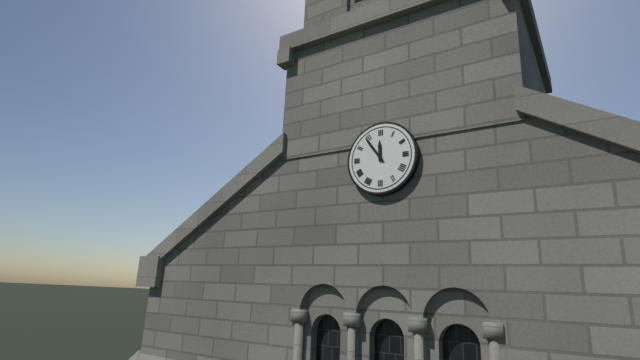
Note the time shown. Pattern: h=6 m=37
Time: h=11 m=54
